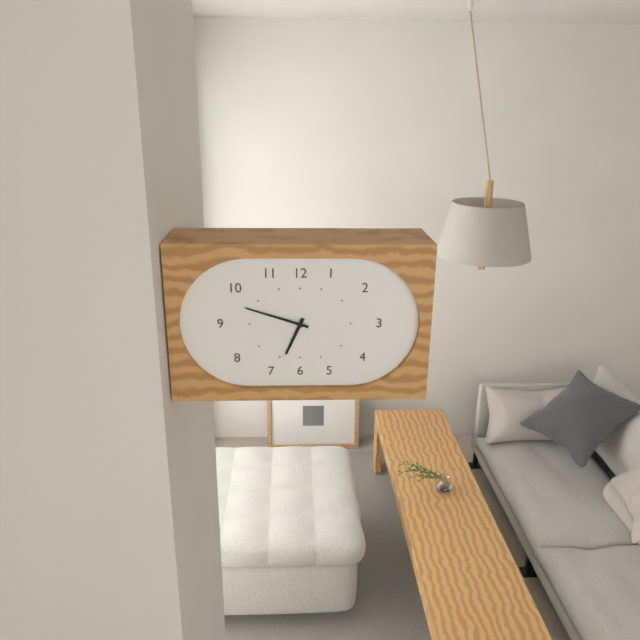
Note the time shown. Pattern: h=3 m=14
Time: h=6 m=48
